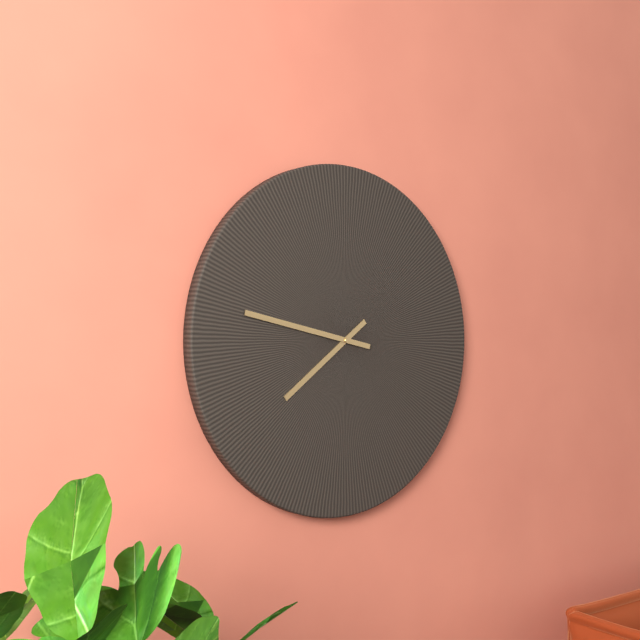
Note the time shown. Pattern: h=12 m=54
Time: h=7 m=47
